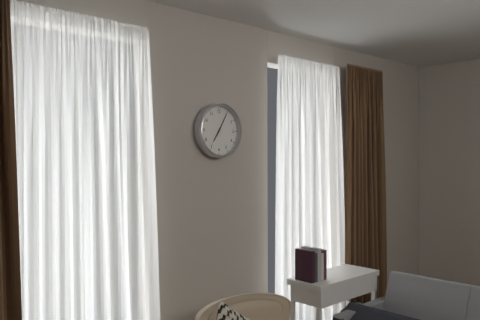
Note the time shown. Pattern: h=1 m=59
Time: h=7 m=5
